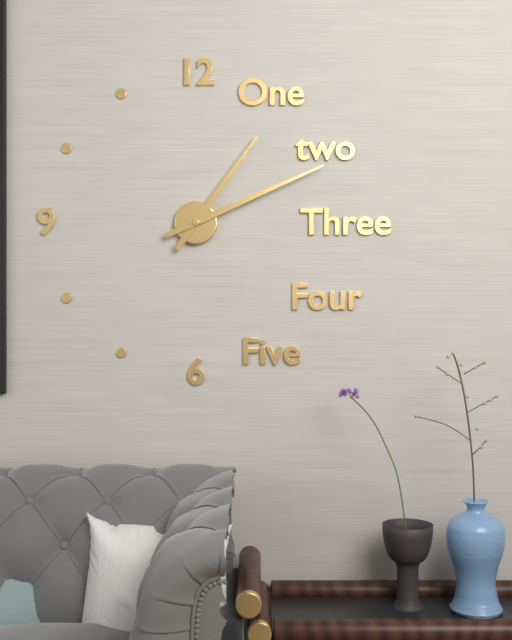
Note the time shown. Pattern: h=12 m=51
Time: h=1 m=11
